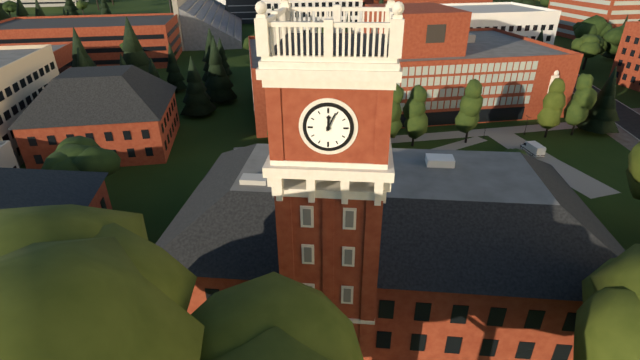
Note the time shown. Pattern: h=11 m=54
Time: h=12 m=4
